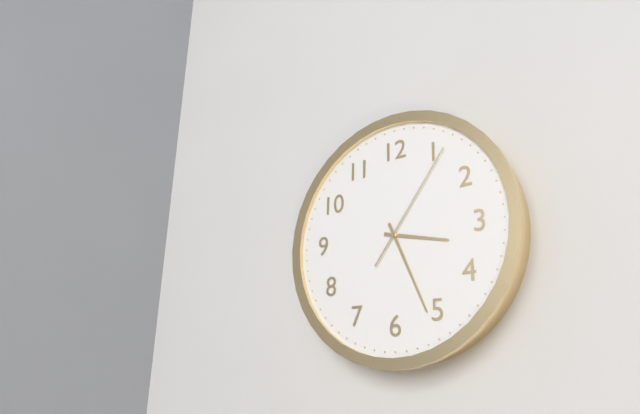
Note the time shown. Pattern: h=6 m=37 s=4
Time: h=3 m=26 s=6
